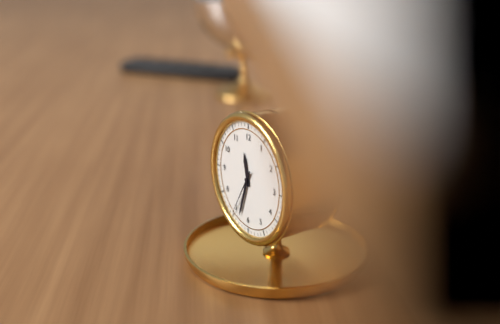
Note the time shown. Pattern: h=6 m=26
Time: h=11 m=33
